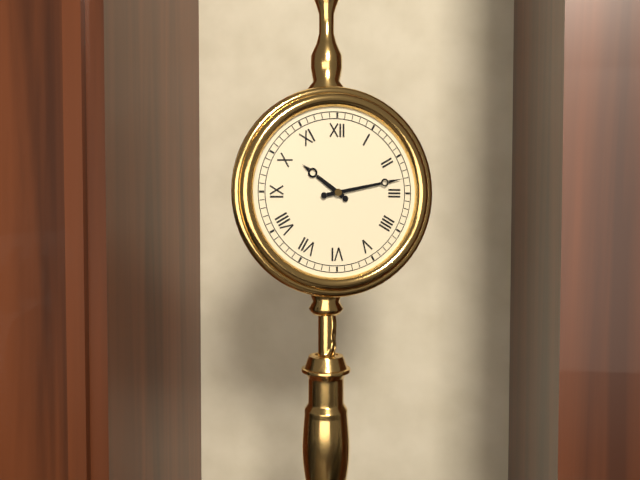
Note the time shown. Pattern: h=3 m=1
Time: h=10 m=13
